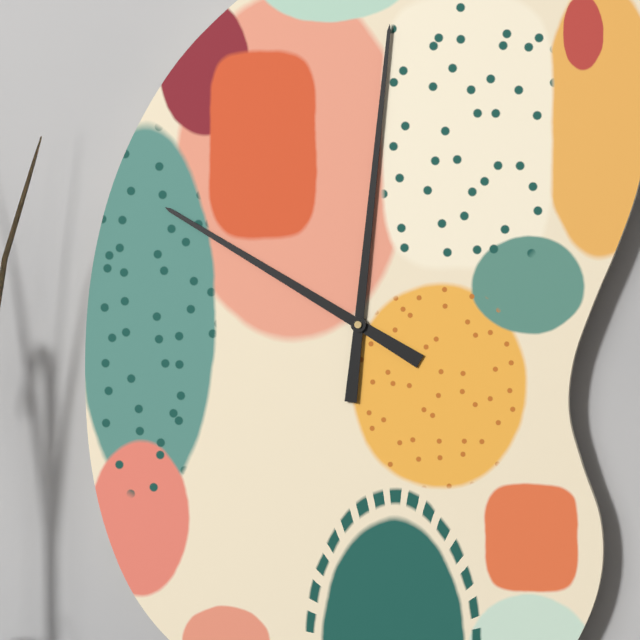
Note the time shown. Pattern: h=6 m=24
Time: h=10 m=1
